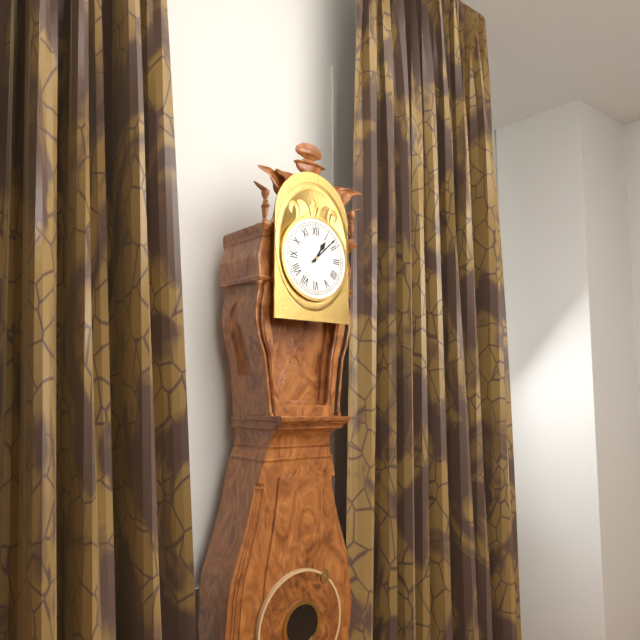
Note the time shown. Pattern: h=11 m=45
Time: h=1 m=8
